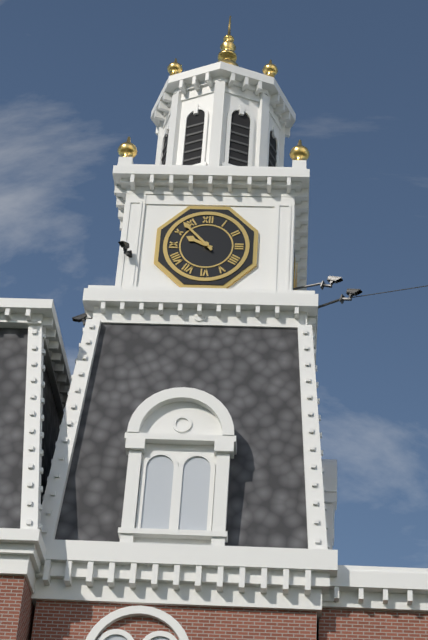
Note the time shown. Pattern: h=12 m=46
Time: h=9 m=53
